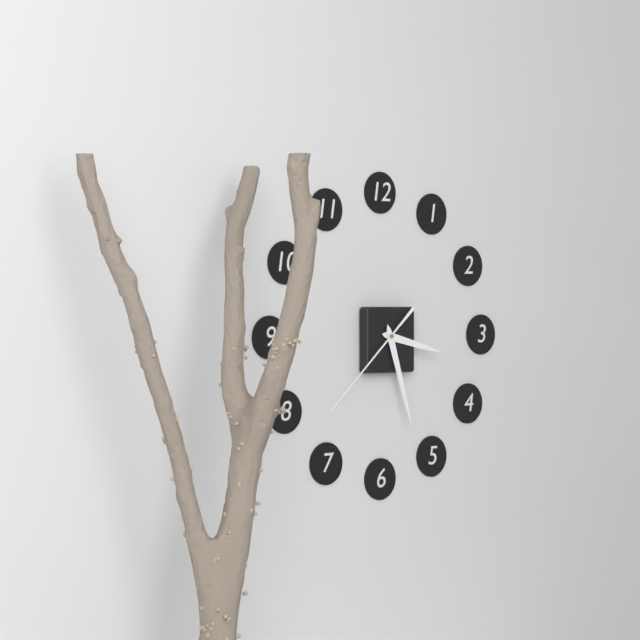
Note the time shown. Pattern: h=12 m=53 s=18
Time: h=3 m=27 s=38
